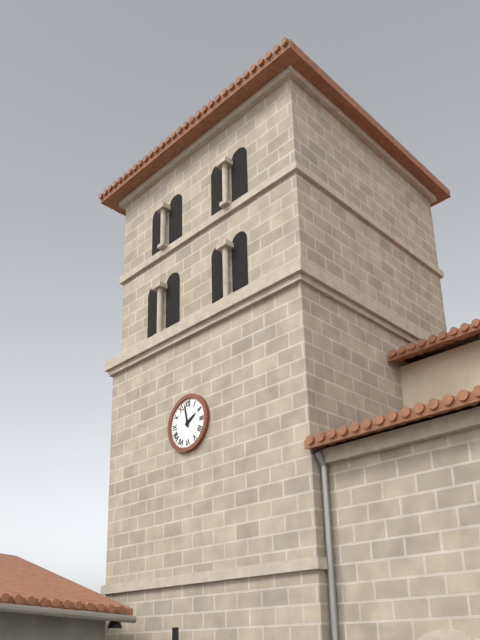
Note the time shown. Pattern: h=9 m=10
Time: h=1 m=58
